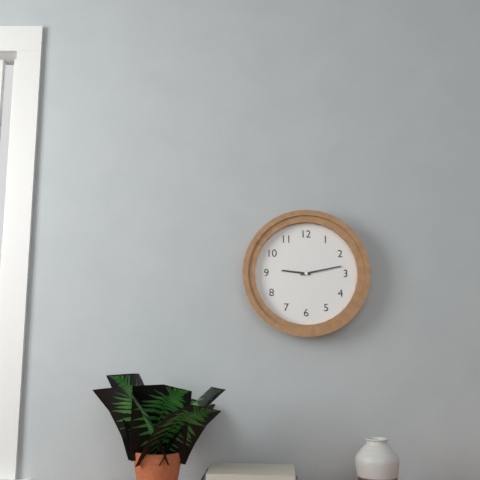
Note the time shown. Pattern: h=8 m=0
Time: h=9 m=13
